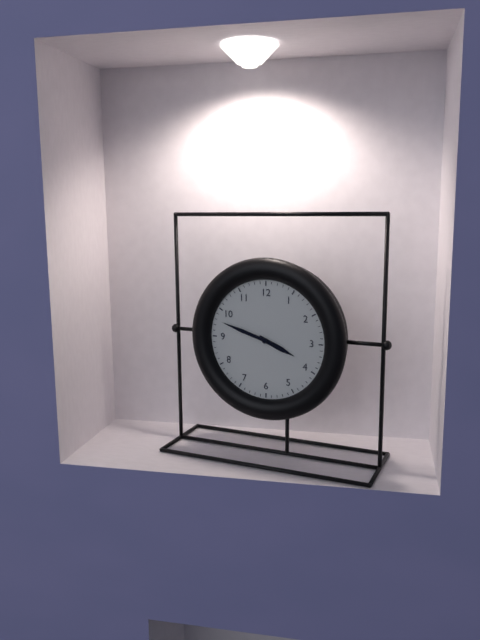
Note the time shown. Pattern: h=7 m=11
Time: h=3 m=48
